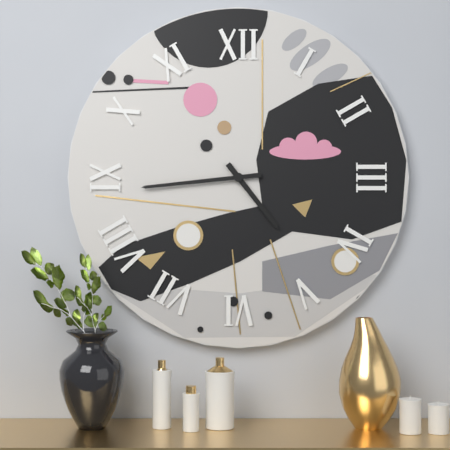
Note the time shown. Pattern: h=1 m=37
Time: h=4 m=44
